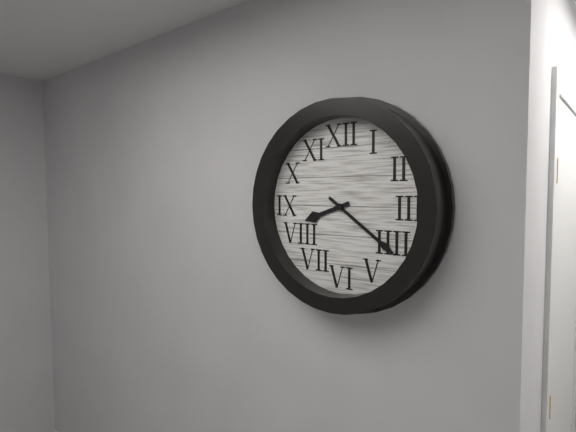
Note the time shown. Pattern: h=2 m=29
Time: h=8 m=21
